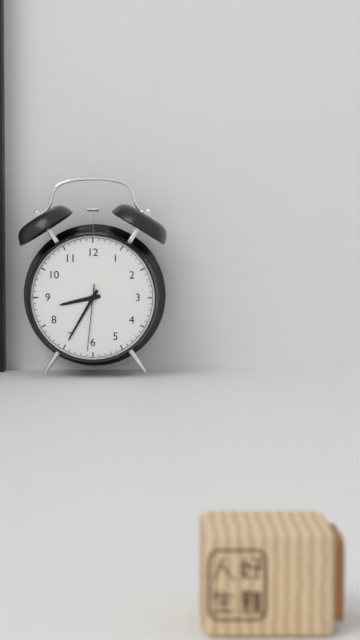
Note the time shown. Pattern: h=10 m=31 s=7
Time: h=8 m=35 s=31
